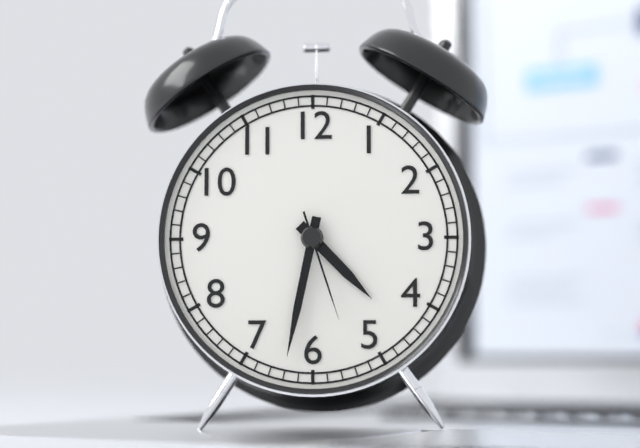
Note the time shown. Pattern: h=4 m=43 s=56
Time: h=4 m=32 s=27
